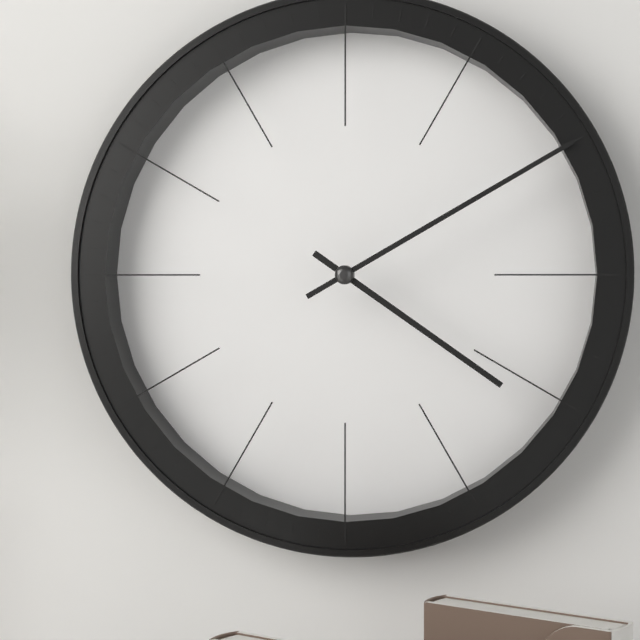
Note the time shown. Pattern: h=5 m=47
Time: h=4 m=10
